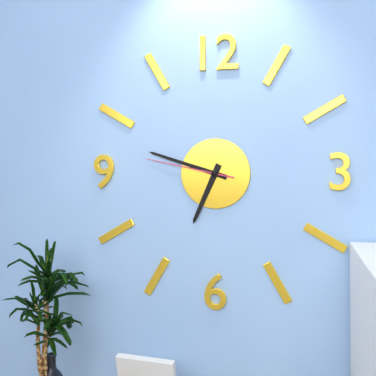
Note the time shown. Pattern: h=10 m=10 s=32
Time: h=6 m=48 s=47
